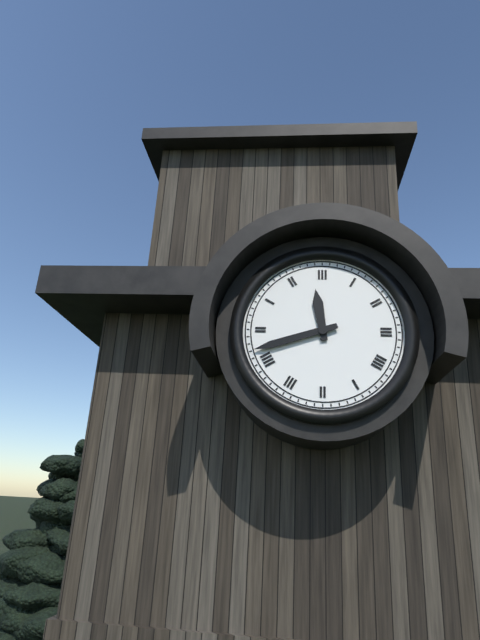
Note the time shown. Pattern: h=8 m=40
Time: h=11 m=42
